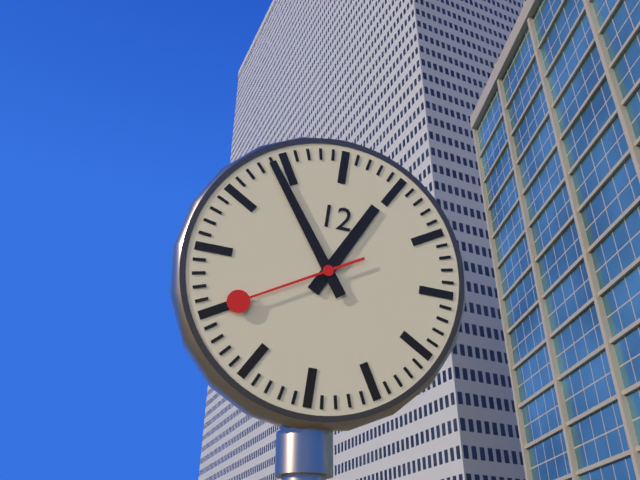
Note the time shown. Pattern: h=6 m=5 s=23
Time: h=12 m=54 s=40
